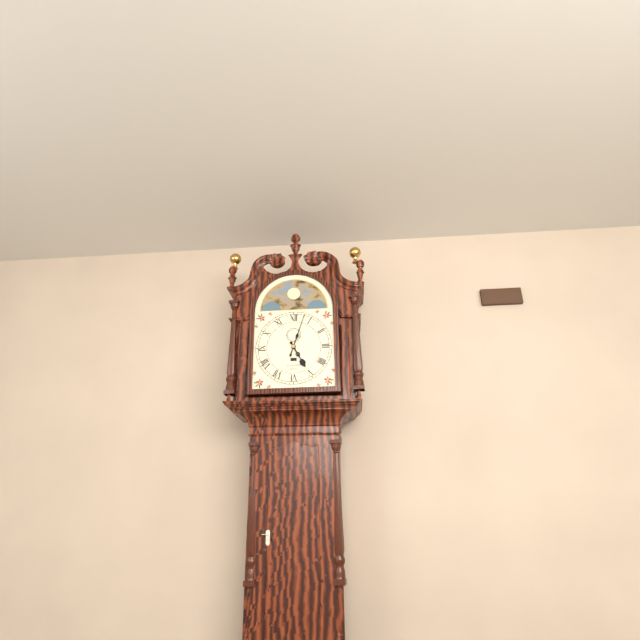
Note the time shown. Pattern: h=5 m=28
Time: h=5 m=3
